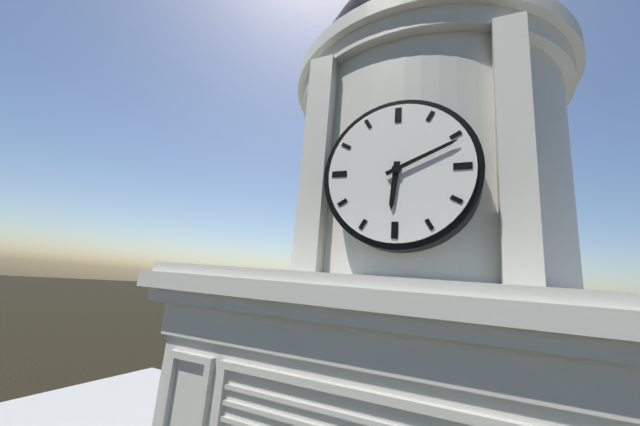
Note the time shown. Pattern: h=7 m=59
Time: h=6 m=11
